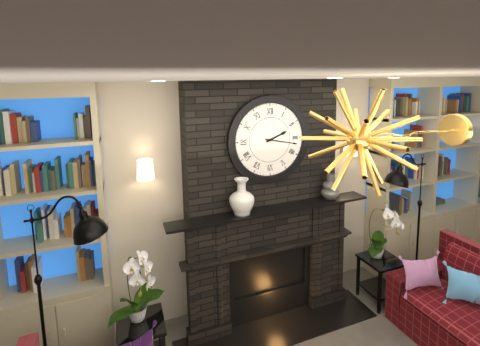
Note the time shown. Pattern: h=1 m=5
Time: h=2 m=17
